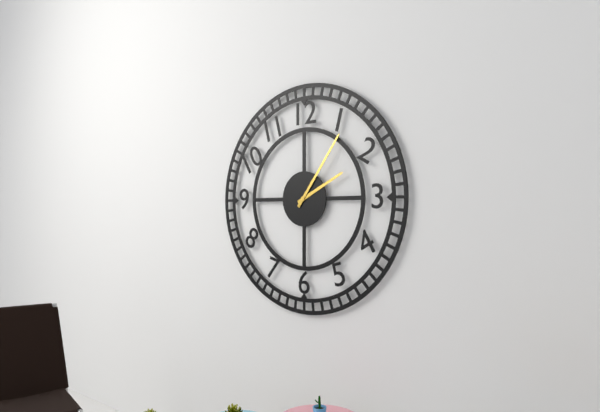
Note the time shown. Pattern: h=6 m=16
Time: h=2 m=6
